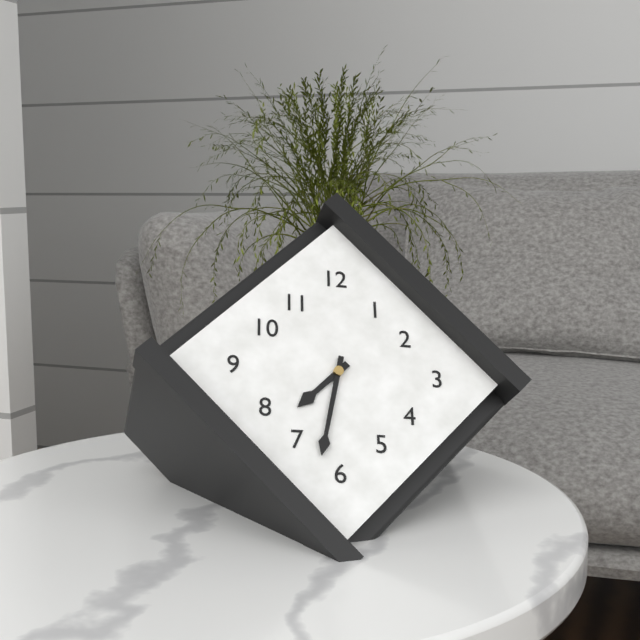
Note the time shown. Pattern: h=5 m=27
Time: h=7 m=32
